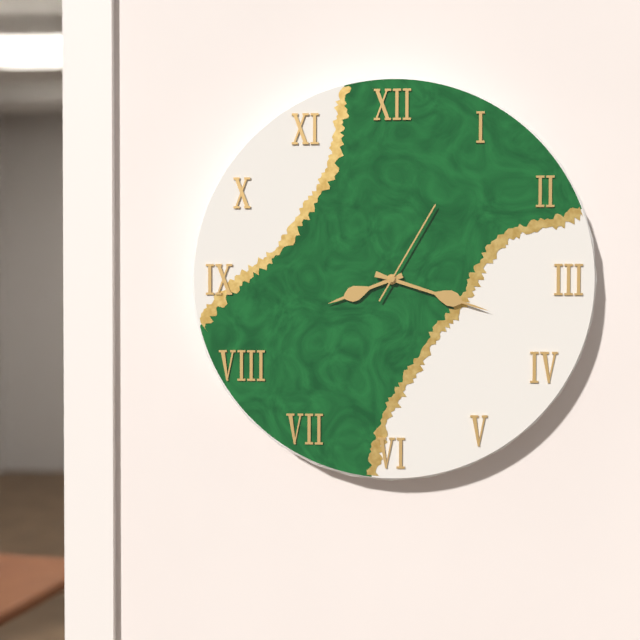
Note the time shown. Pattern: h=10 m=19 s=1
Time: h=8 m=18 s=5
